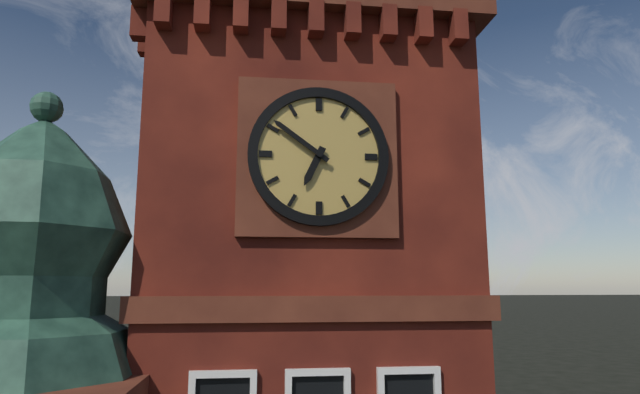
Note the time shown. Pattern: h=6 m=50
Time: h=6 m=51
